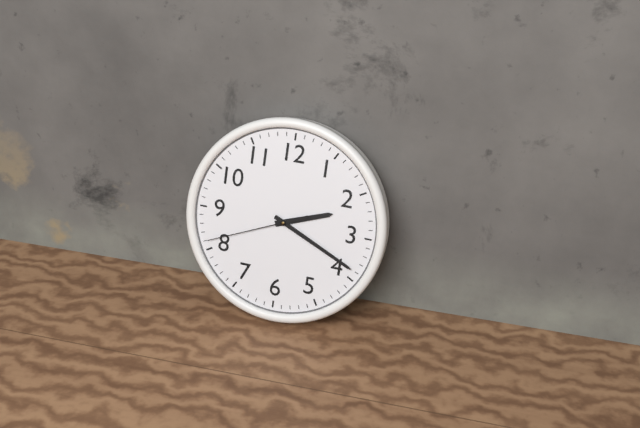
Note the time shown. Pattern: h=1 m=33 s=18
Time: h=2 m=19 s=41
